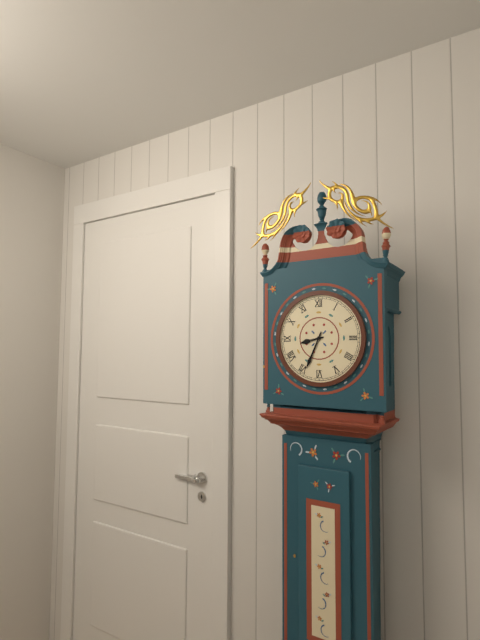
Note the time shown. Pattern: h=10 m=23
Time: h=8 m=34
